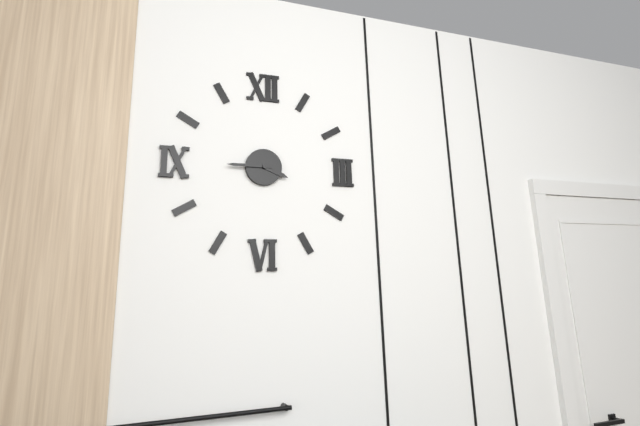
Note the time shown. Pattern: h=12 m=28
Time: h=3 m=45
